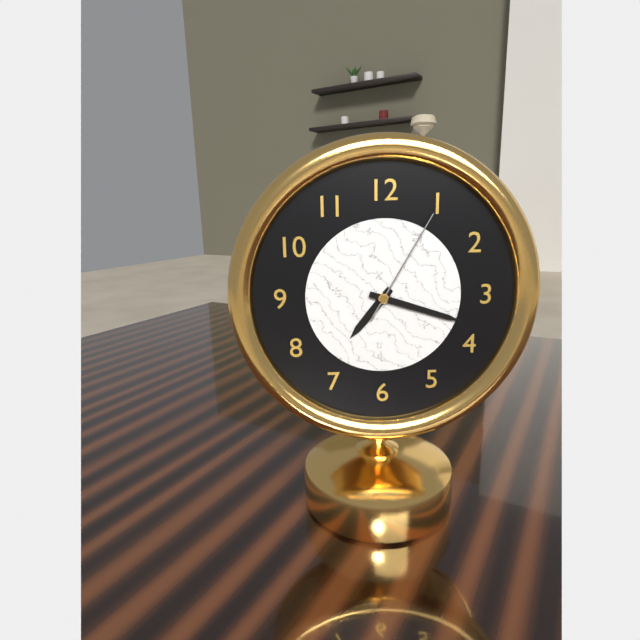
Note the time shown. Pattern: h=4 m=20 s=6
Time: h=7 m=18 s=5
